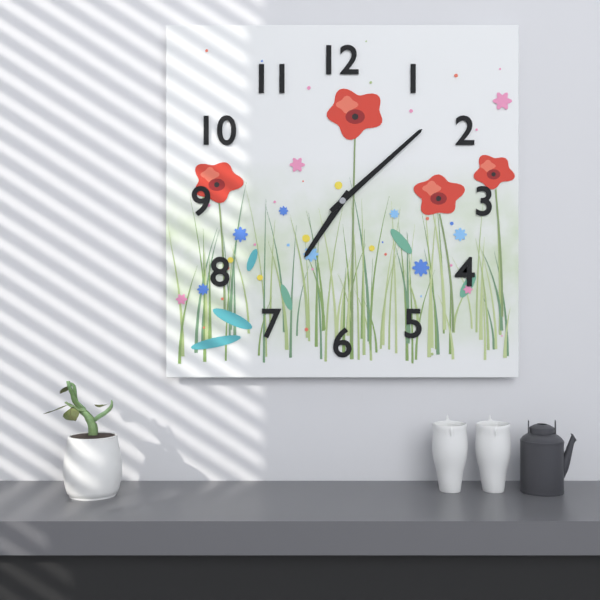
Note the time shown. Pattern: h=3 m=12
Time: h=7 m=8
